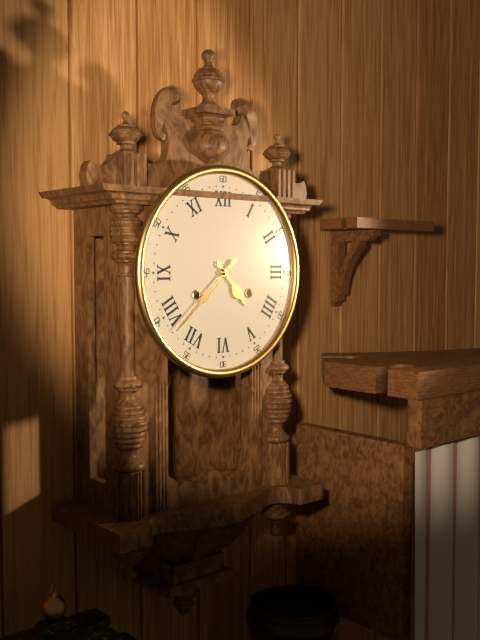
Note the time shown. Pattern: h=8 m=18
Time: h=4 m=38
